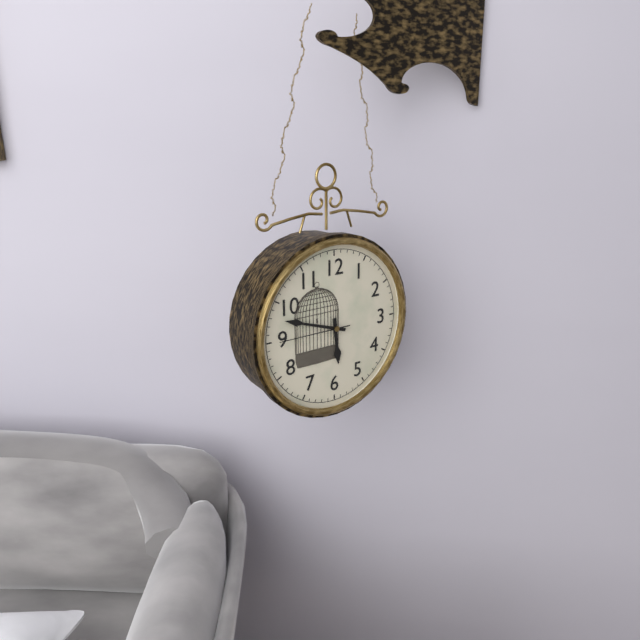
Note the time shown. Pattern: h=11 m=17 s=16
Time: h=5 m=48 s=45
